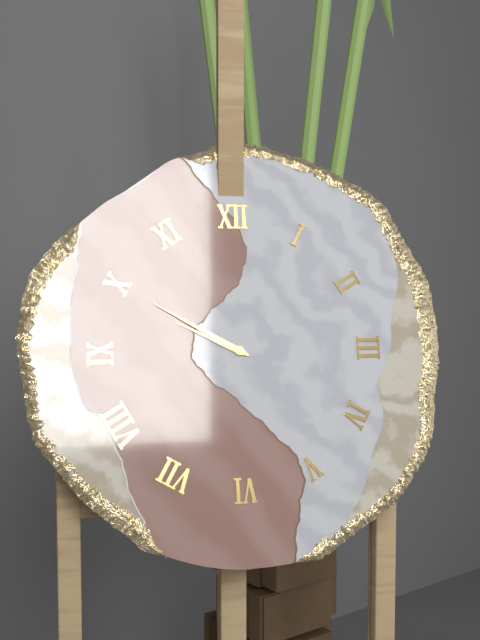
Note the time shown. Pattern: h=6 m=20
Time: h=9 m=50
